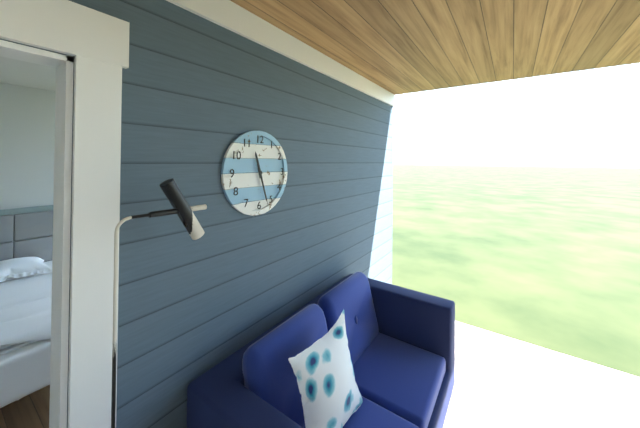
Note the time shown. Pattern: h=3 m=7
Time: h=11 m=27
